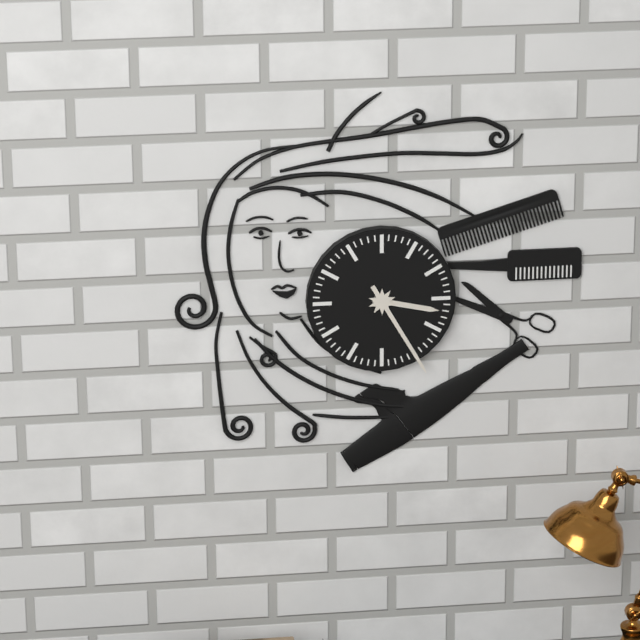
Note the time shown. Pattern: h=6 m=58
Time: h=3 m=25
